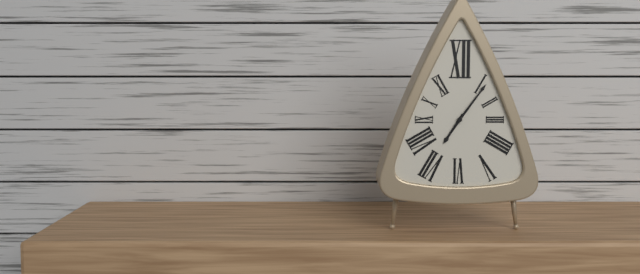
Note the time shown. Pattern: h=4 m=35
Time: h=7 m=6
